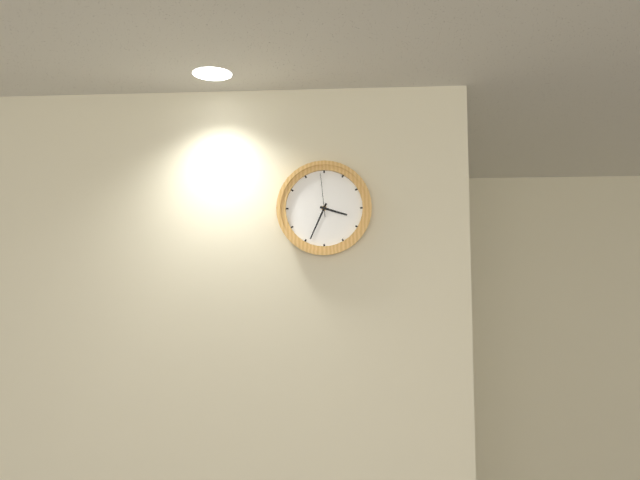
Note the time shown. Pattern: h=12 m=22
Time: h=3 m=34
